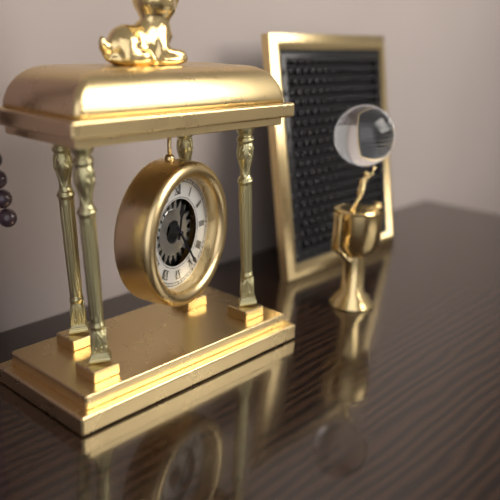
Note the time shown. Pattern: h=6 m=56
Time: h=12 m=24
